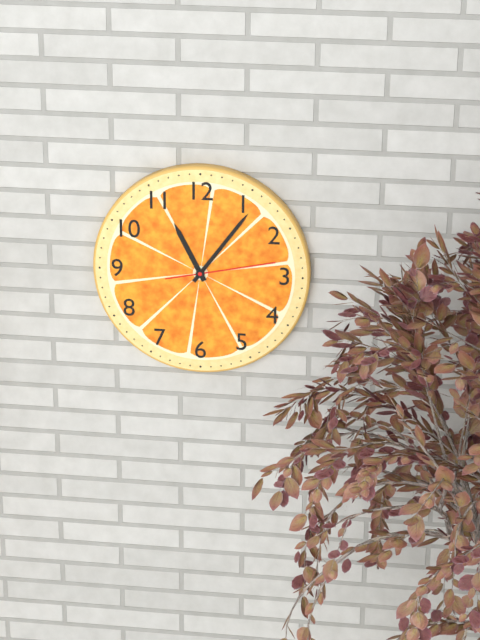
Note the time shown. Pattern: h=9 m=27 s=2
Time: h=11 m=6 s=13
